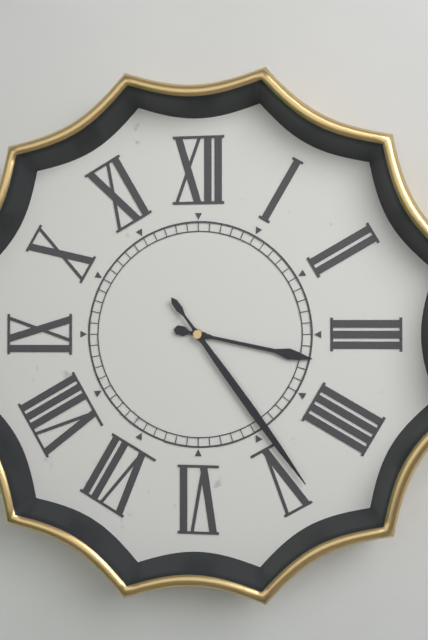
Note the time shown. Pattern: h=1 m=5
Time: h=3 m=24
